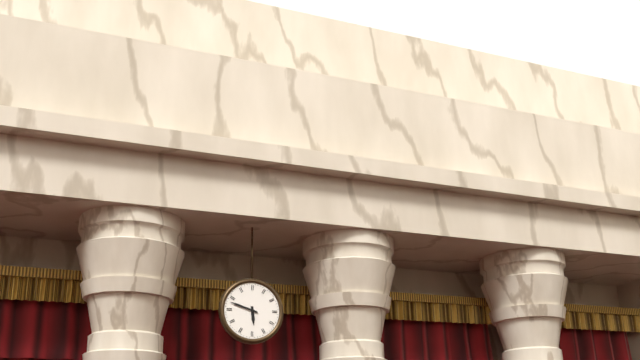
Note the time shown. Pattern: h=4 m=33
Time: h=5 m=48
